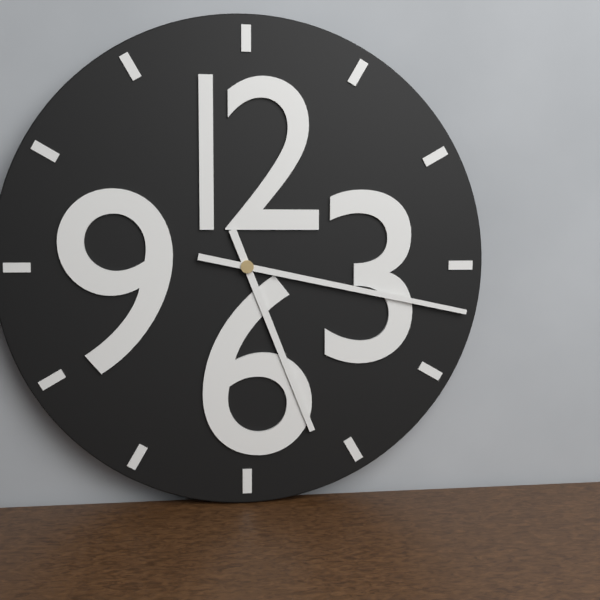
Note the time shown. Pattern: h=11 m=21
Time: h=5 m=17
